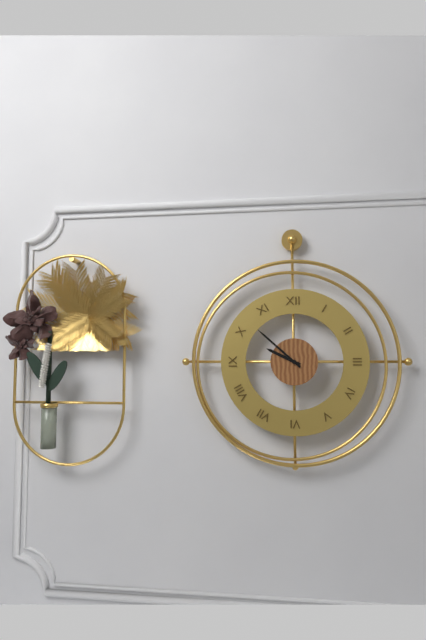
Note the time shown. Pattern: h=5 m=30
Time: h=9 m=52
